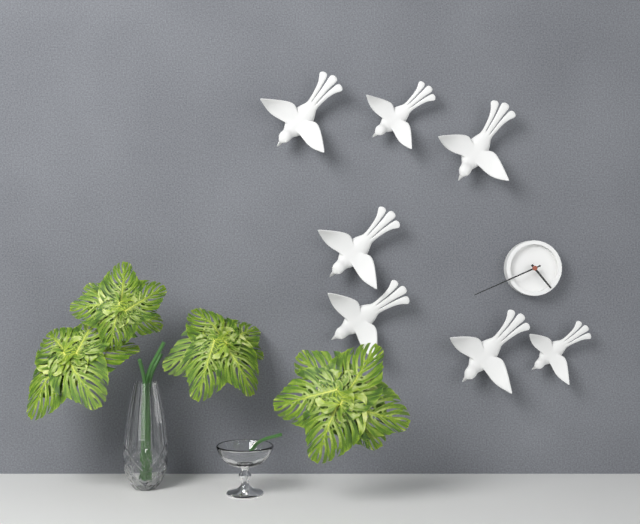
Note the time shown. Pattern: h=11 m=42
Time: h=4 m=41
